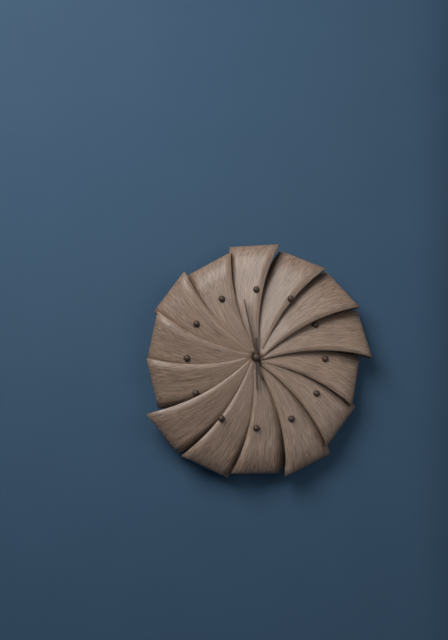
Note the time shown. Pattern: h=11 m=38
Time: h=5 m=58
